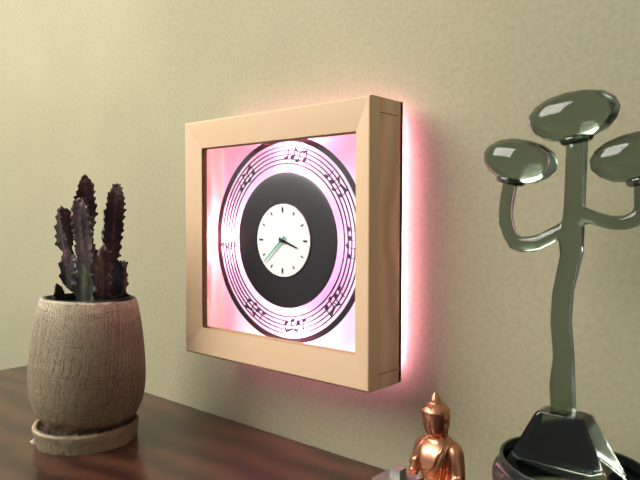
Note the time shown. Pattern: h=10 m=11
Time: h=3 m=38
